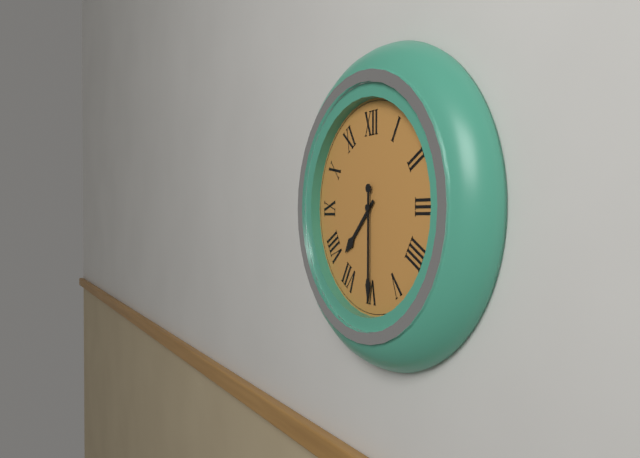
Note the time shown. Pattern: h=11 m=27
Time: h=7 m=30
